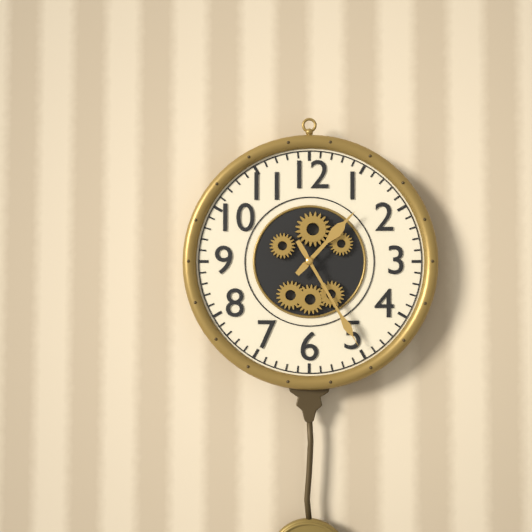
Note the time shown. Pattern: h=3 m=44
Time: h=1 m=25
